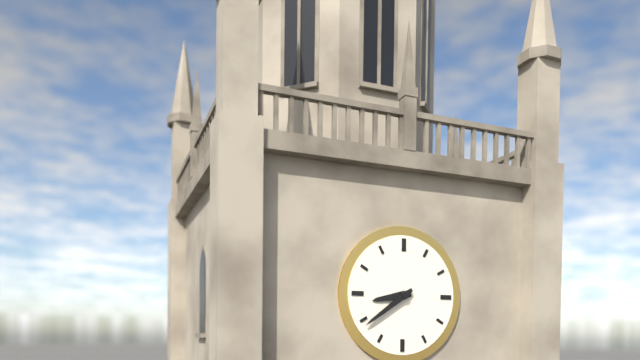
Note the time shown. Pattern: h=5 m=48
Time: h=8 m=39
